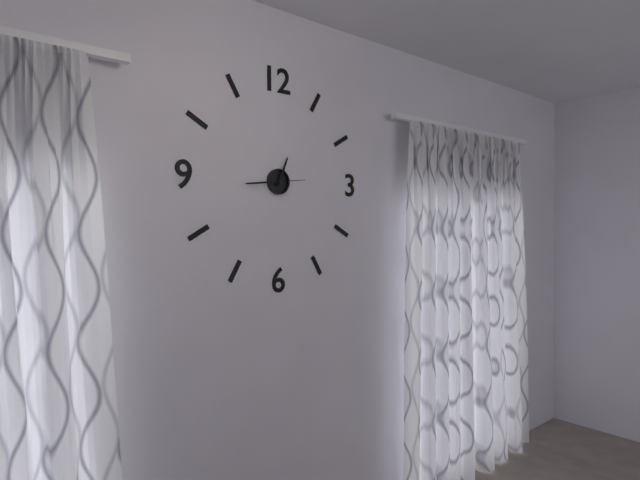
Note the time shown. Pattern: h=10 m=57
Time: h=12 m=44
